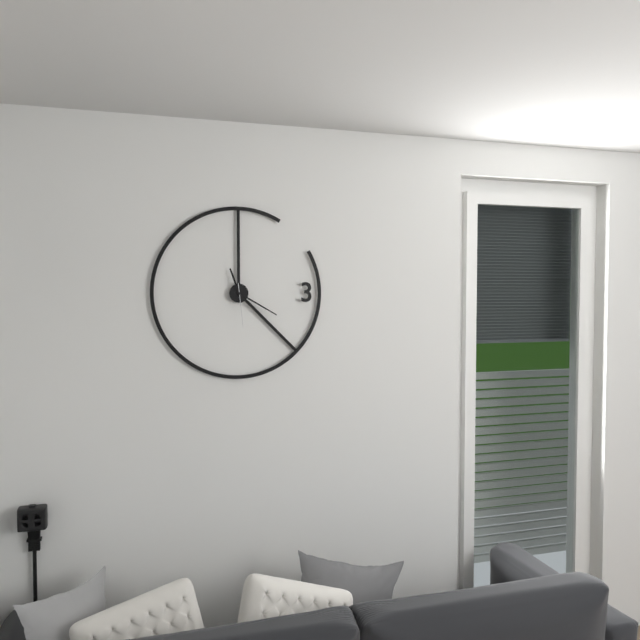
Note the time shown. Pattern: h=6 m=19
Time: h=11 m=20
